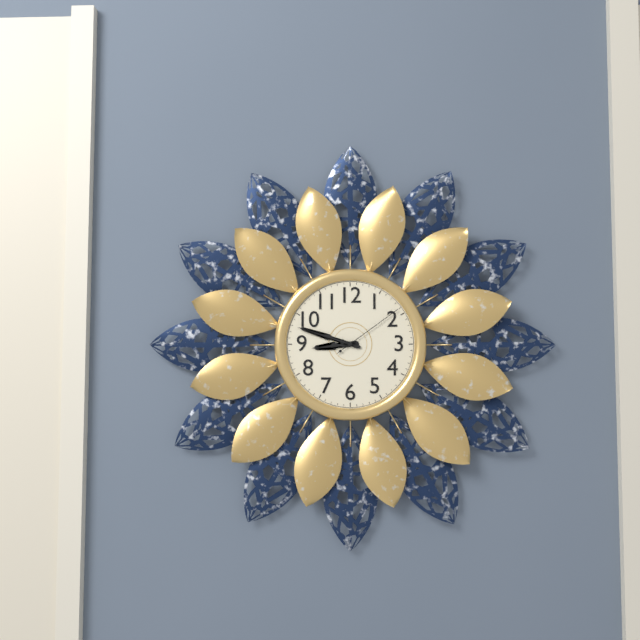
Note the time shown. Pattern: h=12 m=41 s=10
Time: h=8 m=48 s=9
